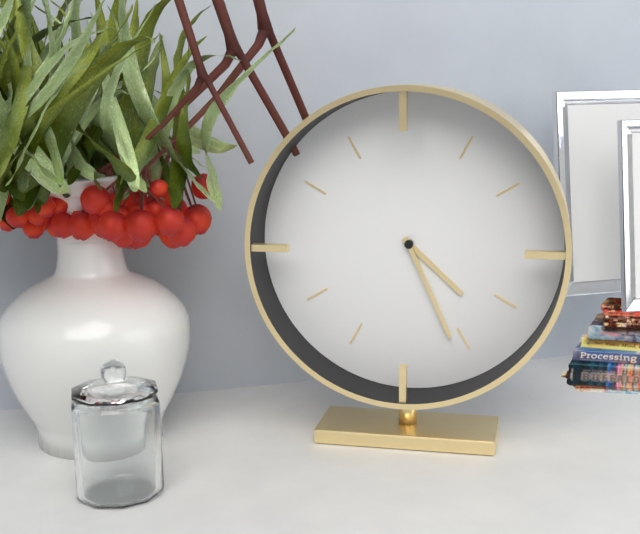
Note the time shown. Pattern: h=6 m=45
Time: h=4 m=26
